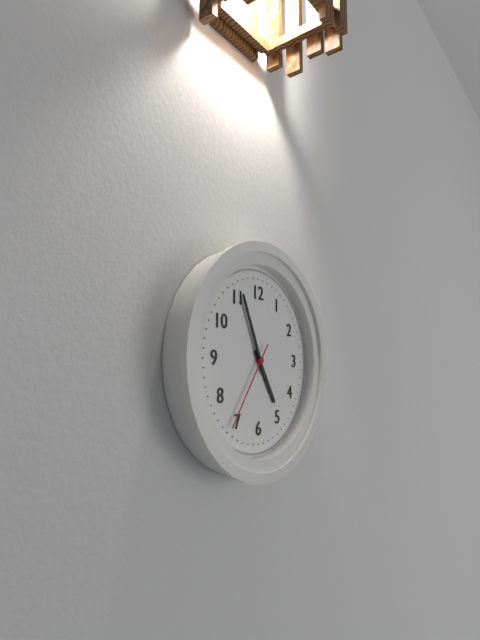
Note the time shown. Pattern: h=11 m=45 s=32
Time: h=4 m=56 s=36
